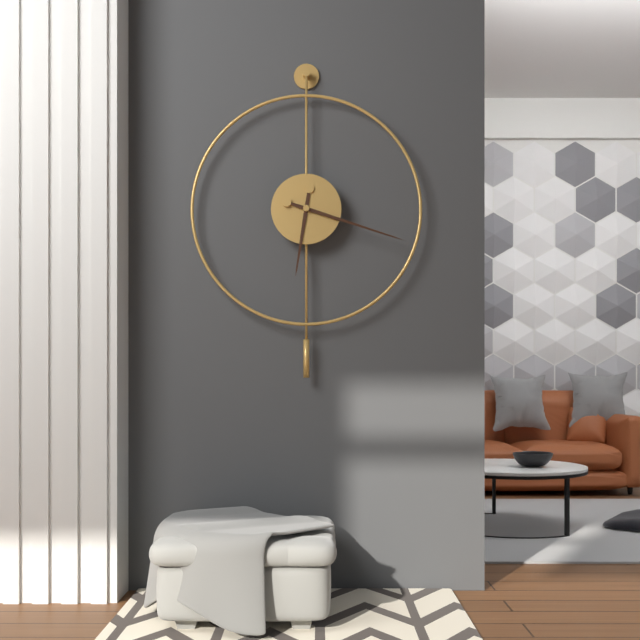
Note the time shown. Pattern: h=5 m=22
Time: h=6 m=18
